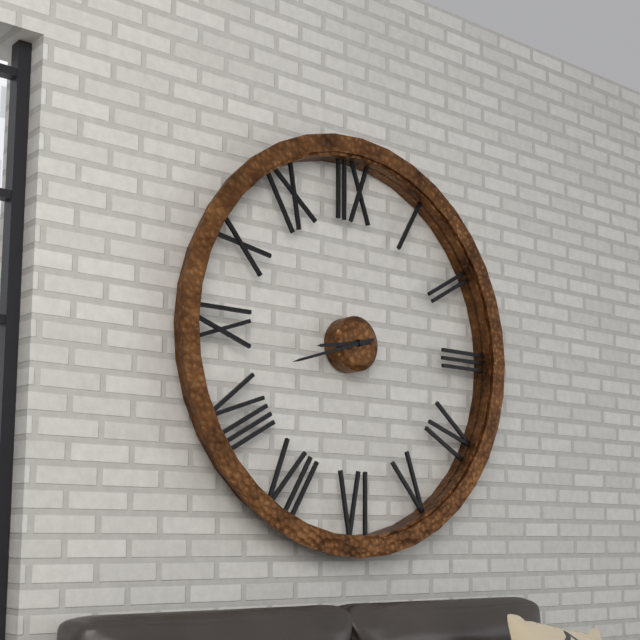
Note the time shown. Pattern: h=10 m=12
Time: h=8 m=42
